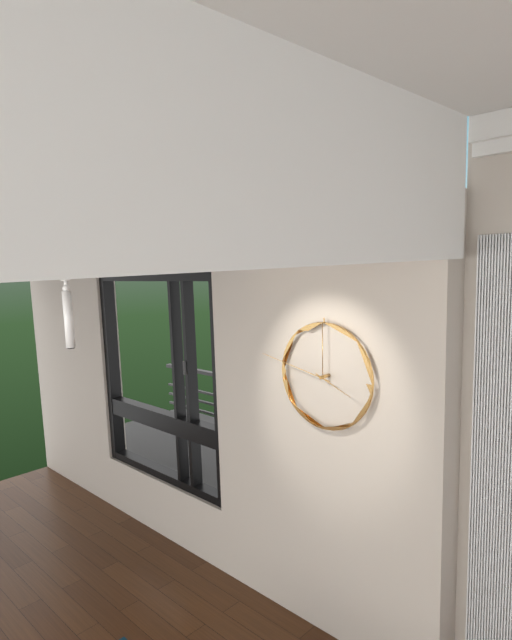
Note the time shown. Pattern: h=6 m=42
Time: h=3 m=47
